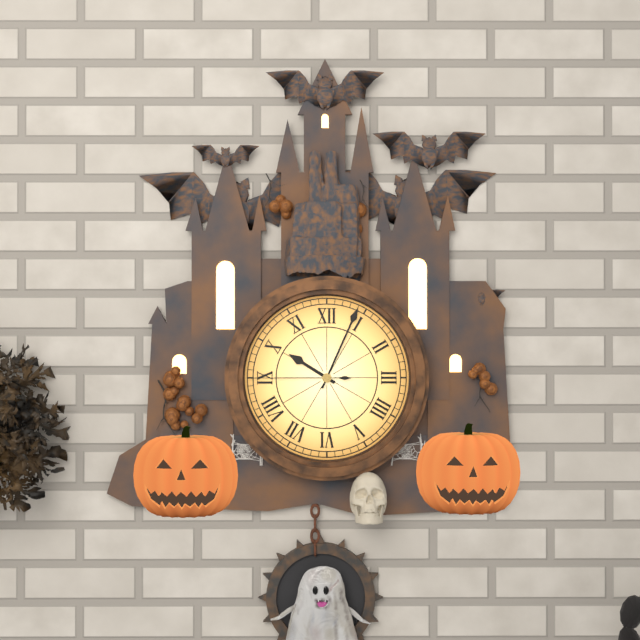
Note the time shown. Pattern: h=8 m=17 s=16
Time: h=10 m=4 s=45
